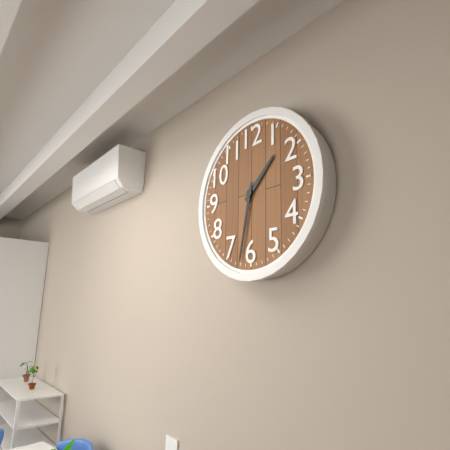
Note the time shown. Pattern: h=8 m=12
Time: h=1 m=32
